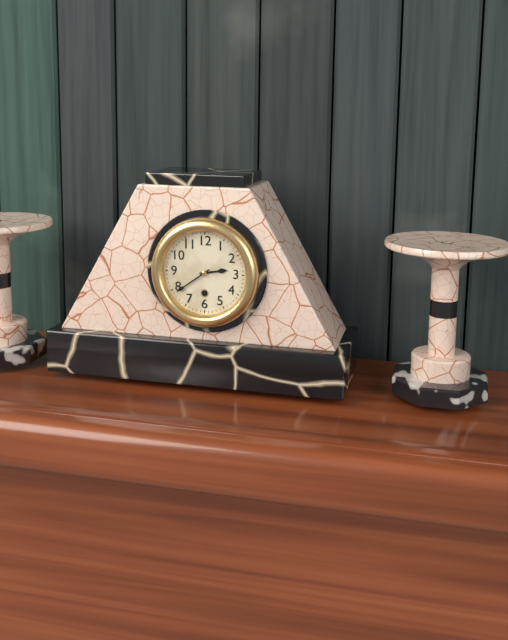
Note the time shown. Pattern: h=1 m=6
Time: h=2 m=39
